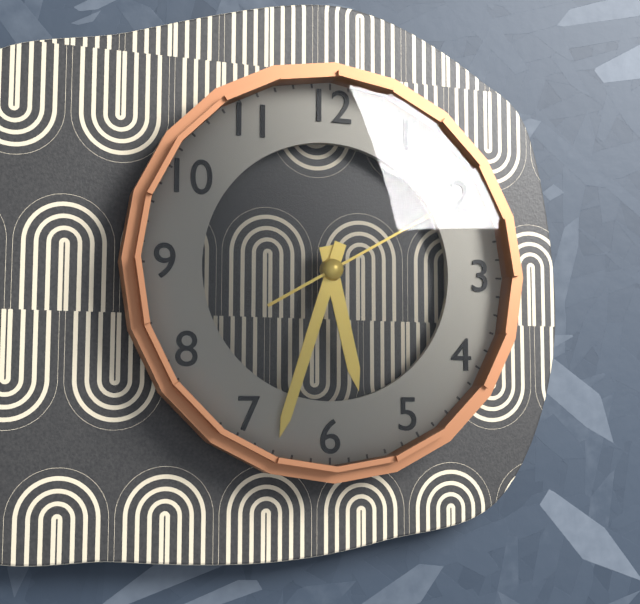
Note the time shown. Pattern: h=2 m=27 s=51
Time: h=5 m=33 s=10
